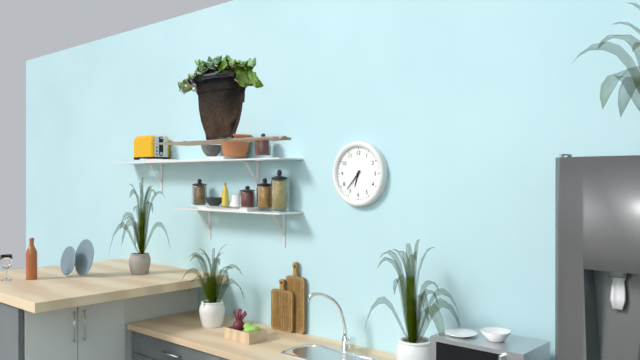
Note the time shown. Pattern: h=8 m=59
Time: h=6 m=37
